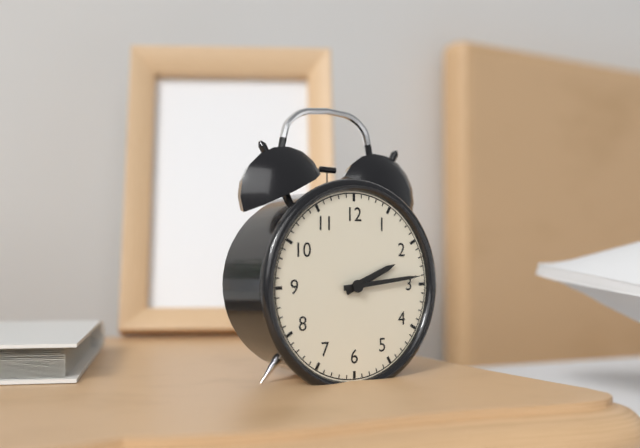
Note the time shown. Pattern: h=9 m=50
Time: h=2 m=14
